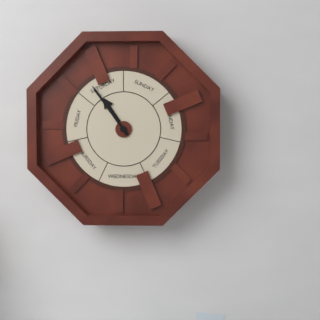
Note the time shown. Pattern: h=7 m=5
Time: h=10 m=54
